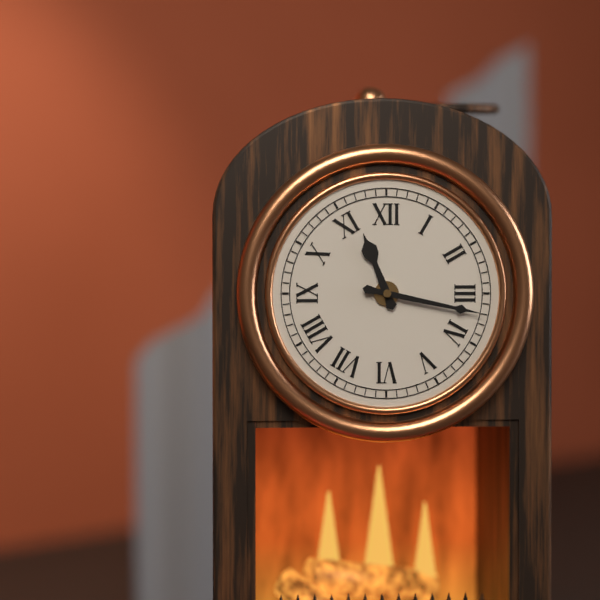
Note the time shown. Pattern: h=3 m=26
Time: h=11 m=17
